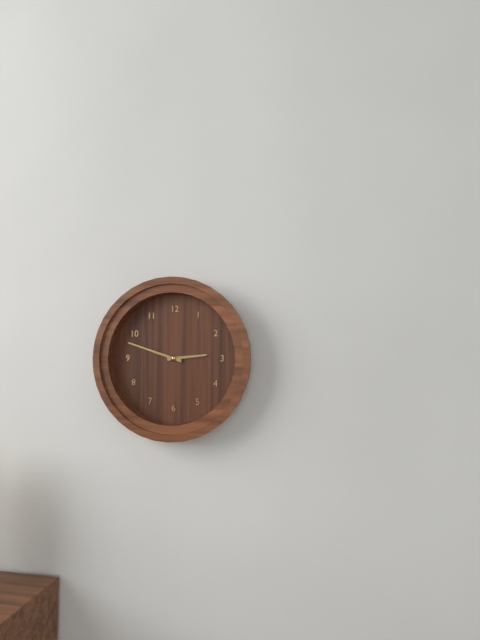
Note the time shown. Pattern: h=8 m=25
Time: h=2 m=48
